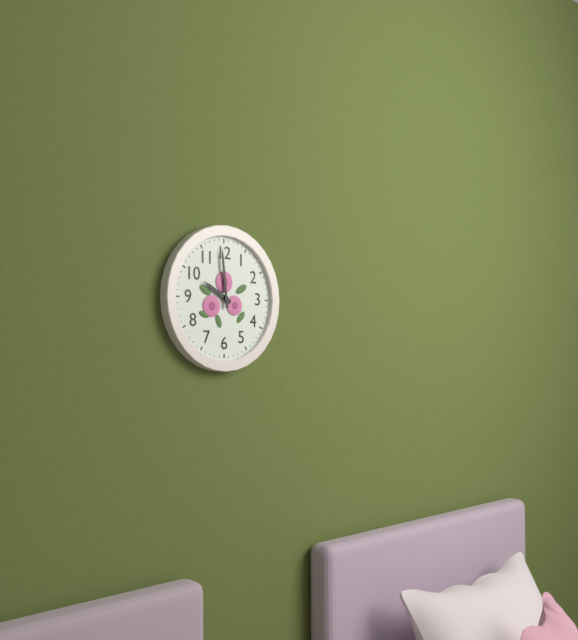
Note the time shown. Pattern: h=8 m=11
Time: h=9 m=59
